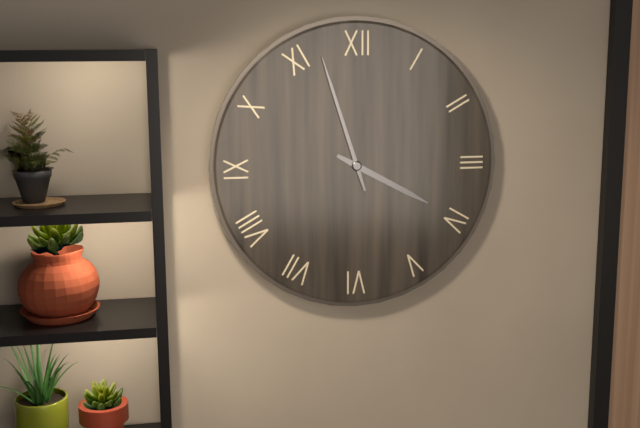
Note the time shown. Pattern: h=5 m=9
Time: h=3 m=57
